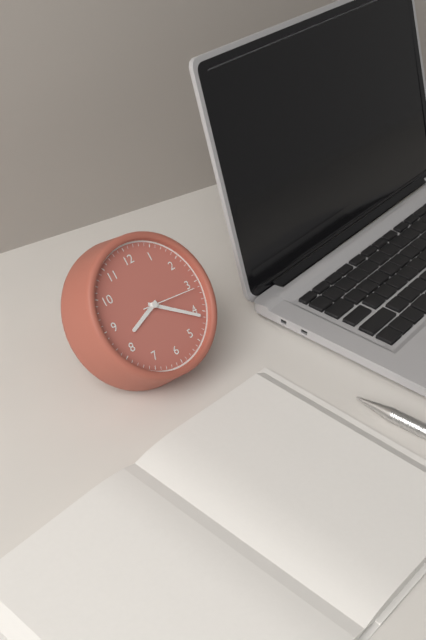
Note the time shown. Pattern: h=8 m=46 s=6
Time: h=8 m=21 s=16
